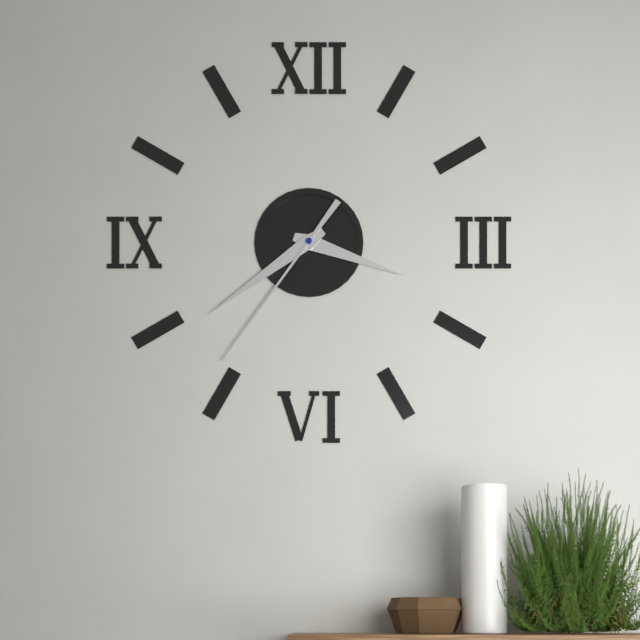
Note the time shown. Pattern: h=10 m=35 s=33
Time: h=3 m=39 s=36
